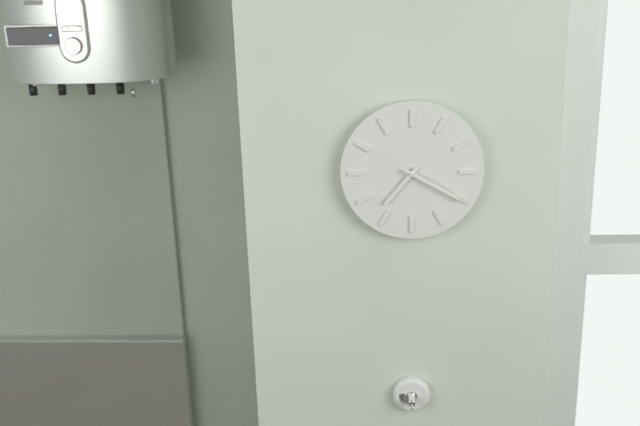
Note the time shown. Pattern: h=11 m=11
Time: h=7 m=20
